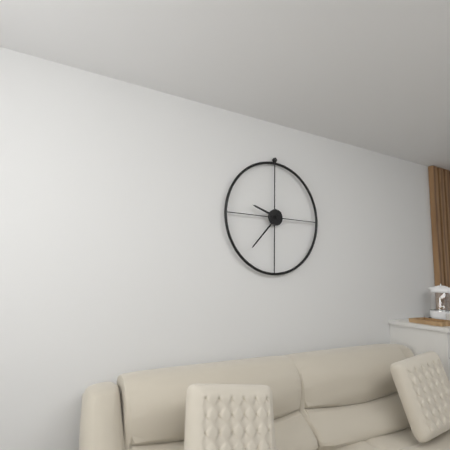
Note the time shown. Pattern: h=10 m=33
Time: h=9 m=37
